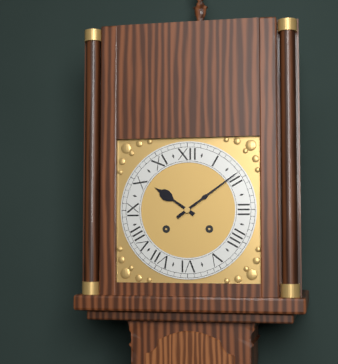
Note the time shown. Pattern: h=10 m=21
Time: h=10 m=9
